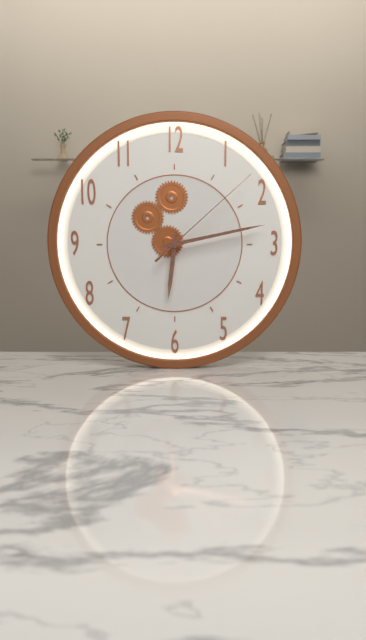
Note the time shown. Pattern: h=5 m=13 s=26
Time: h=6 m=13 s=8
